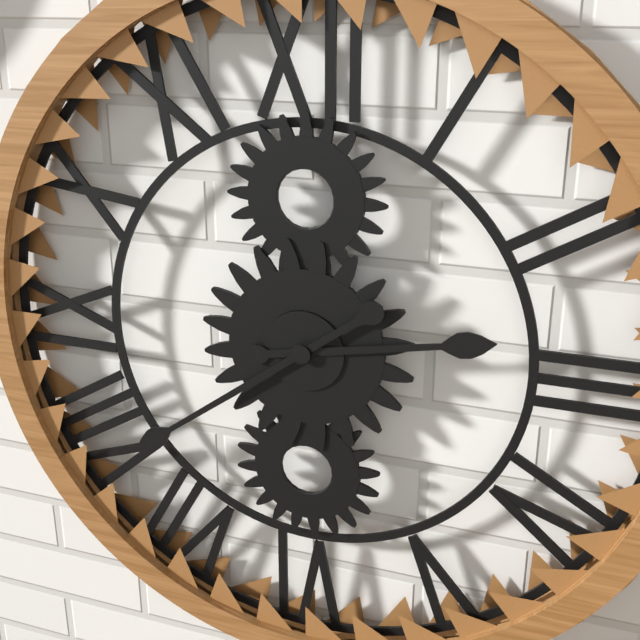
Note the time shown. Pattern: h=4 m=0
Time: h=2 m=39
